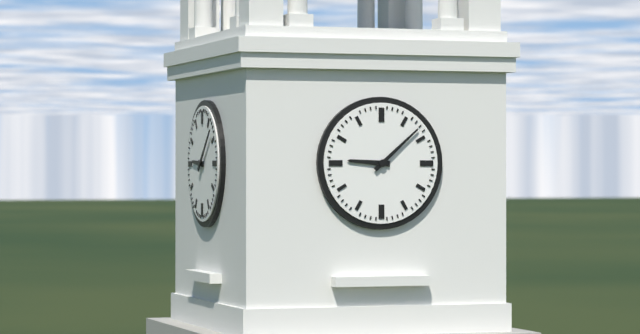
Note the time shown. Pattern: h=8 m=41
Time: h=9 m=8
